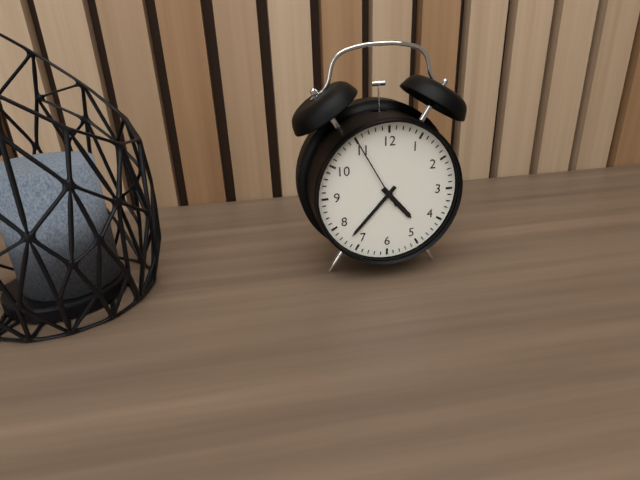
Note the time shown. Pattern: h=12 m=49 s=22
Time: h=4 m=37 s=55
